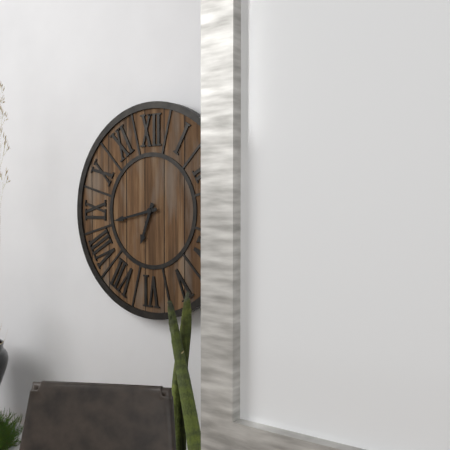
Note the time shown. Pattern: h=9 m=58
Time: h=6 m=43
